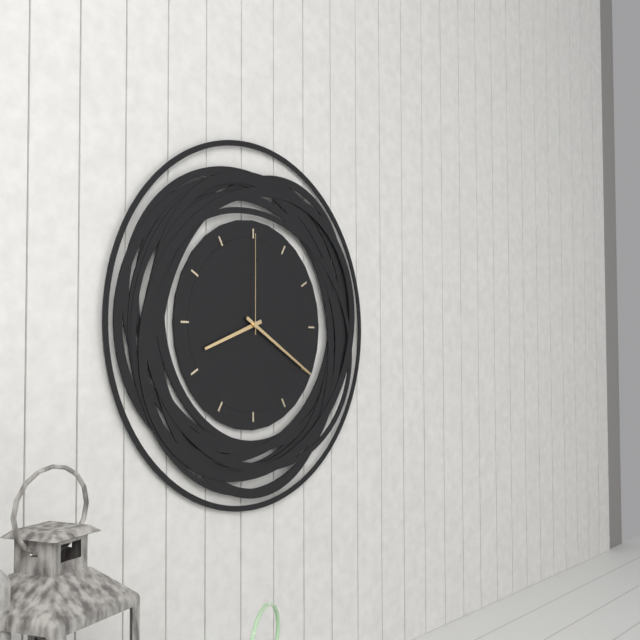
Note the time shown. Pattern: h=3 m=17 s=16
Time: h=8 m=20 s=0
